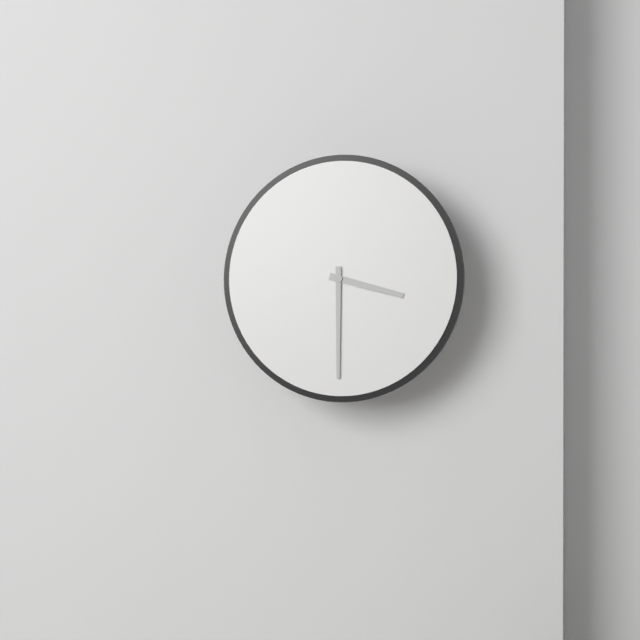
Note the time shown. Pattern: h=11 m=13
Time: h=3 m=30
